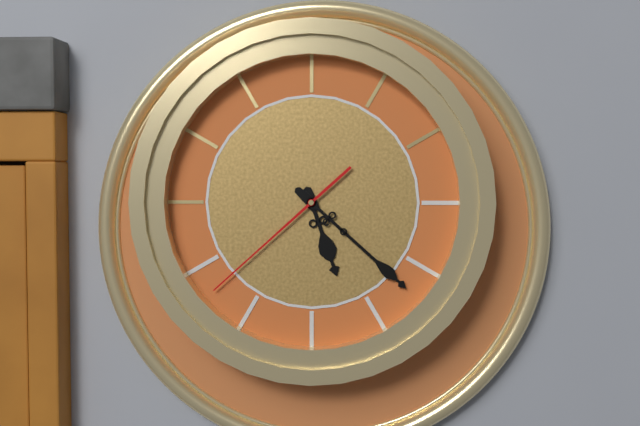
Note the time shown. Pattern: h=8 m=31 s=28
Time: h=5 m=22 s=38
